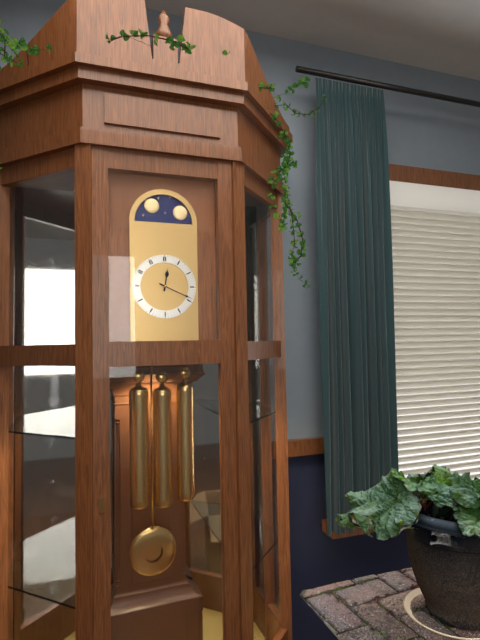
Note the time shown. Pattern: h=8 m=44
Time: h=12 m=19
